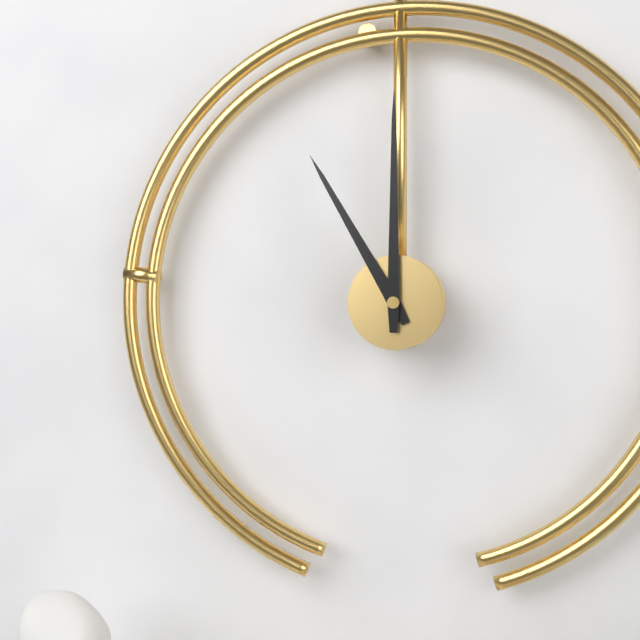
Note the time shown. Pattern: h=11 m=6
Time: h=11 m=0
